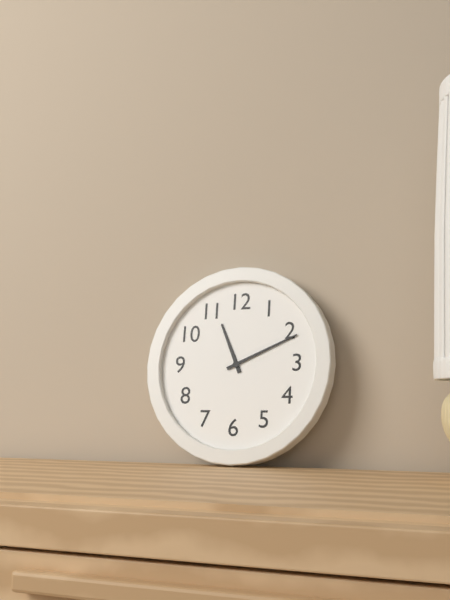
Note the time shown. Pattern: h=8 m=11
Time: h=11 m=11
